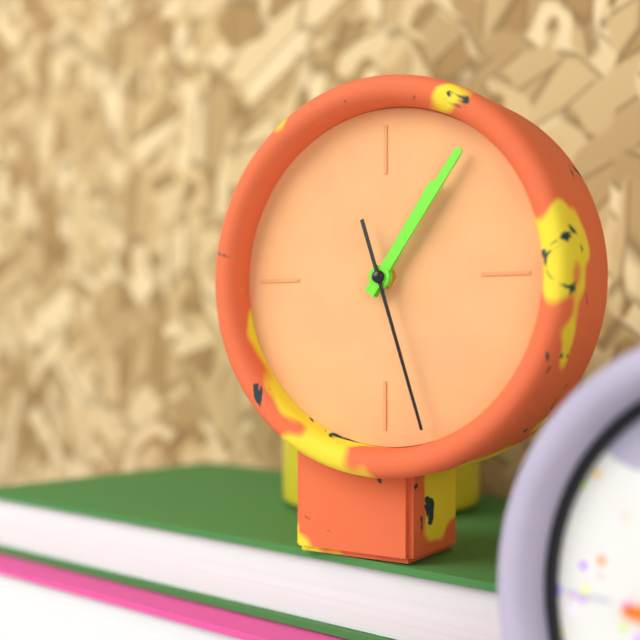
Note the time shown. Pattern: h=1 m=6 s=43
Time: h=1 m=6 s=27
